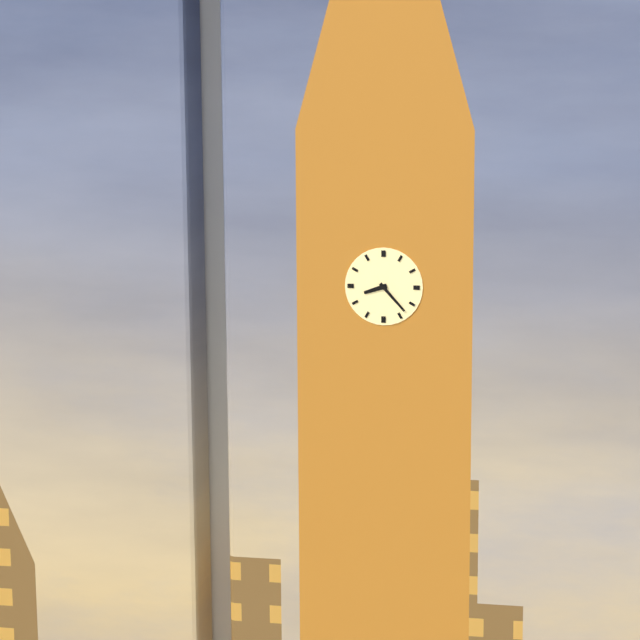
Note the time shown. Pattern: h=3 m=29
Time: h=8 m=23
